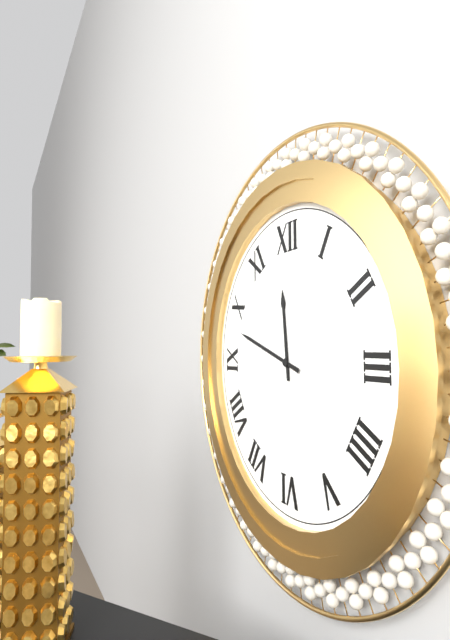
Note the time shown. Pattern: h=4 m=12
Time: h=11 m=48
